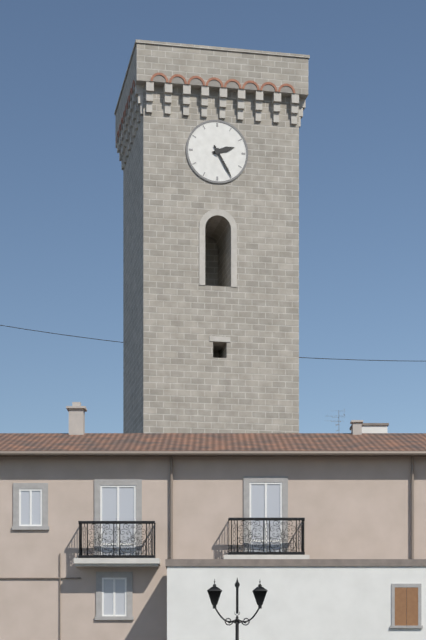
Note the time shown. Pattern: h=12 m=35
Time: h=2 m=25
